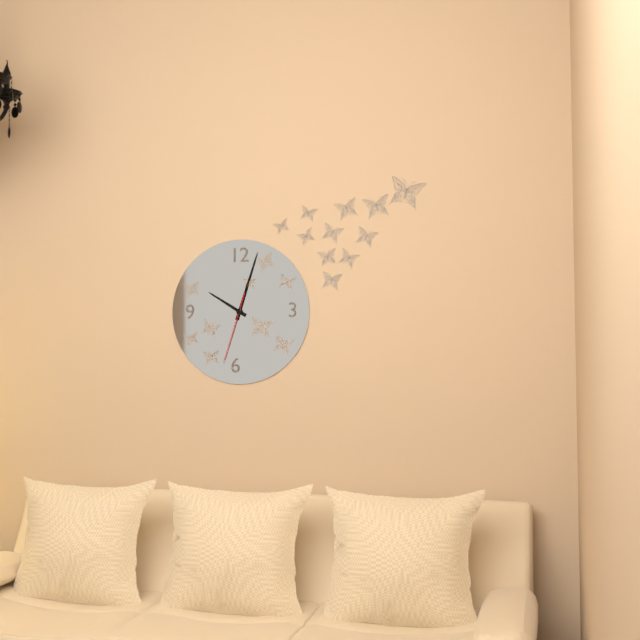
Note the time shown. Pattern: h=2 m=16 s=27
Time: h=10 m=3 s=33
